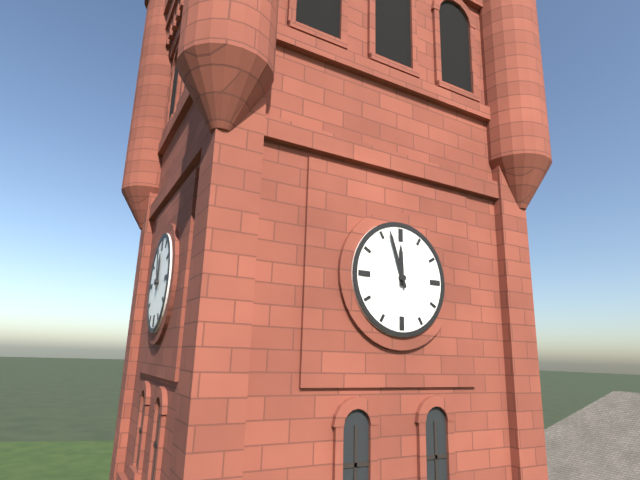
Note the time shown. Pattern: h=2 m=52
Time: h=11 m=57
